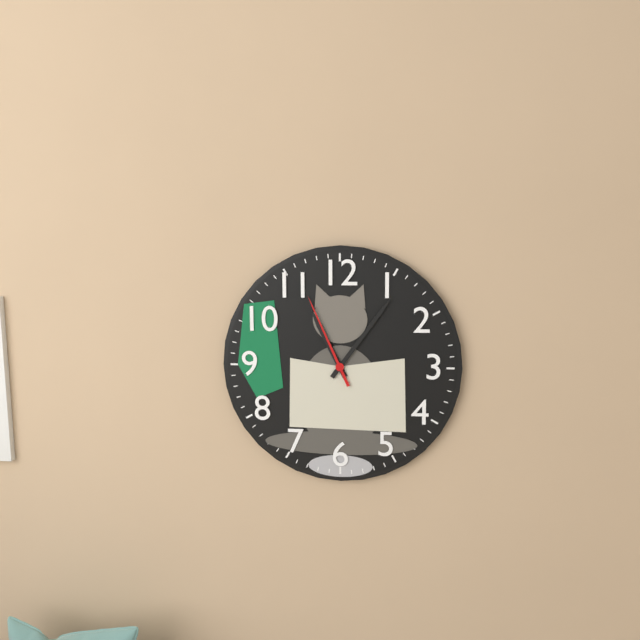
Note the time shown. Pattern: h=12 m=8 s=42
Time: h=11 m=6 s=56
